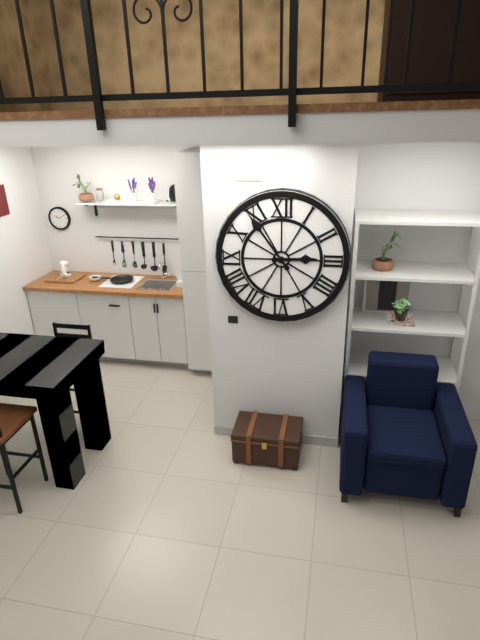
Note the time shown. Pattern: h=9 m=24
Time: h=2 m=54
